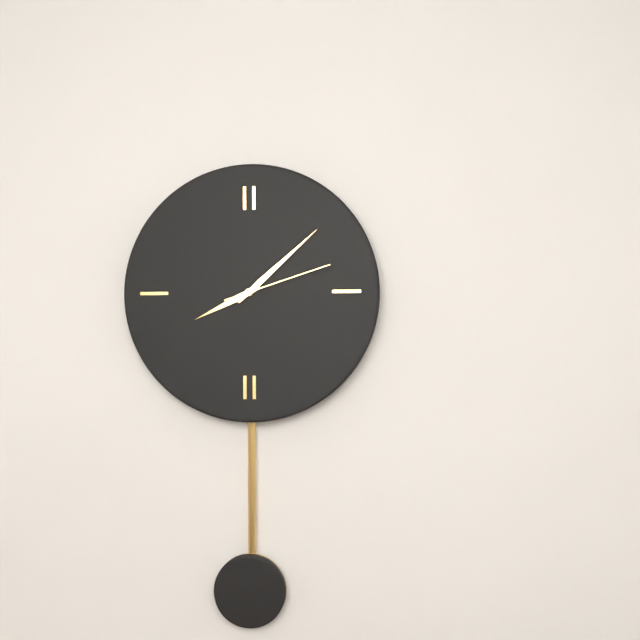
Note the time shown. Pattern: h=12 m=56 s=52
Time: h=8 m=8 s=12
